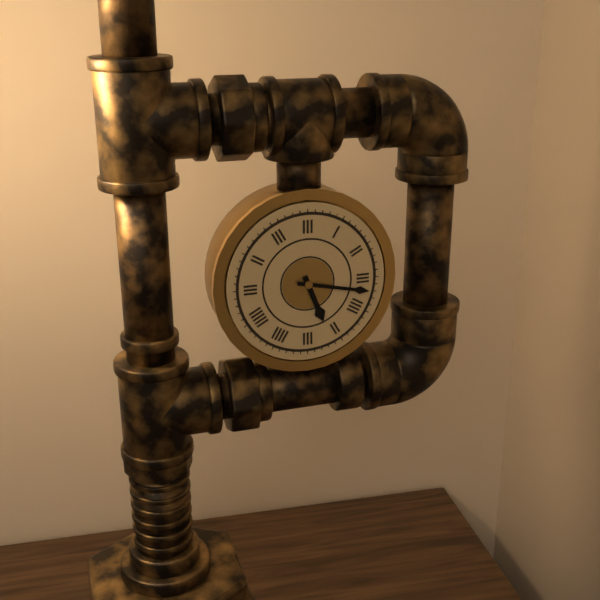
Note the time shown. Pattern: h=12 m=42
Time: h=5 m=17
